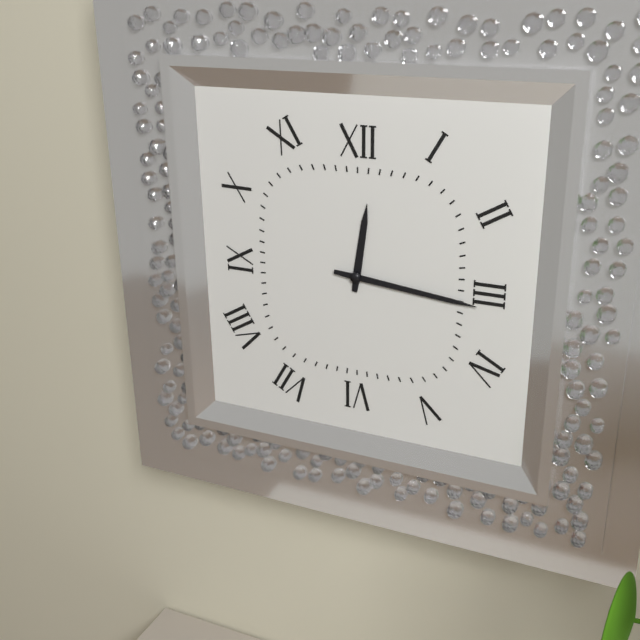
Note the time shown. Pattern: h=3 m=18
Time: h=12 m=16
